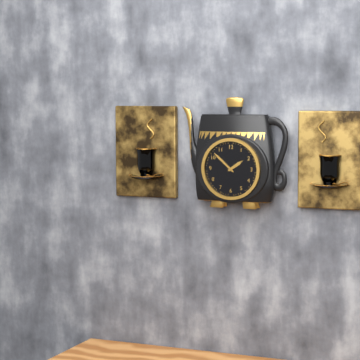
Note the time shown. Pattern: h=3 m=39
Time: h=1 m=52
